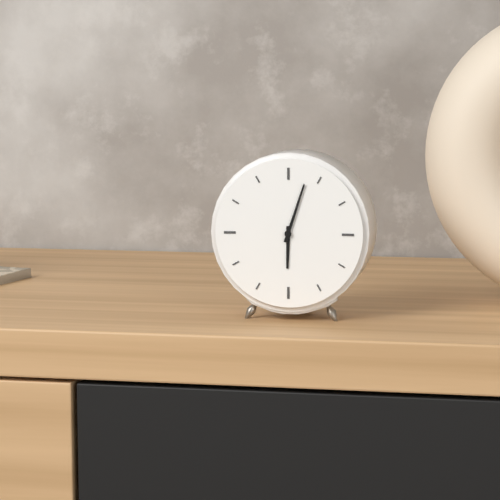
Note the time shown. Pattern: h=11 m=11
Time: h=6 m=3
